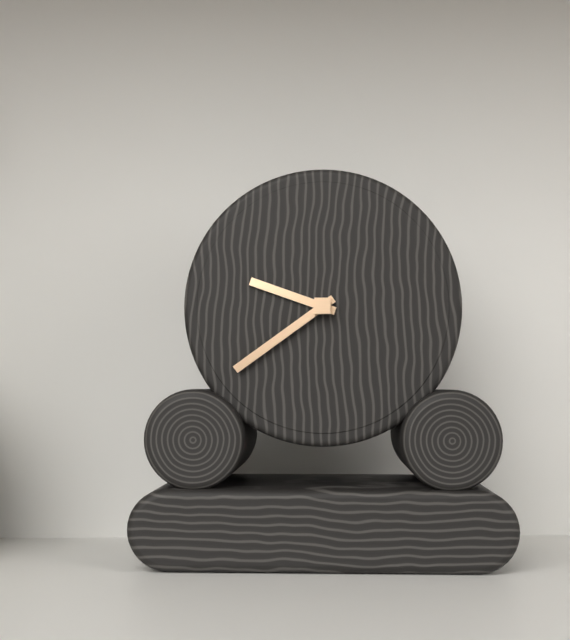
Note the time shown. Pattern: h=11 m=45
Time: h=9 m=39
